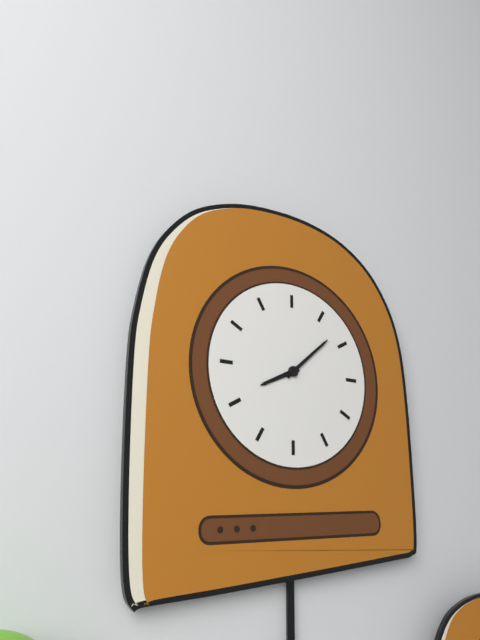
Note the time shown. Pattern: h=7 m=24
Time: h=8 m=8
